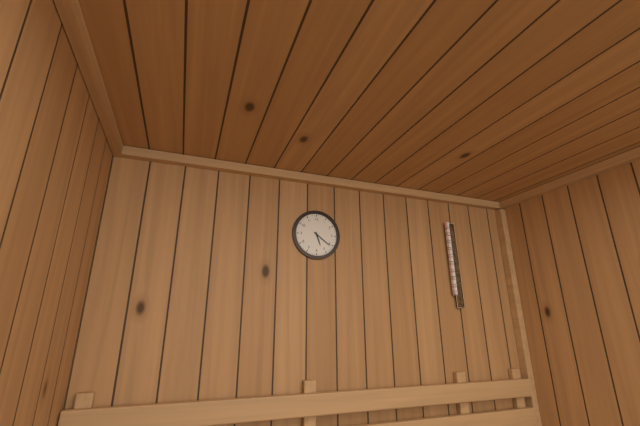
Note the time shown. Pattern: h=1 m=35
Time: h=5 m=21
